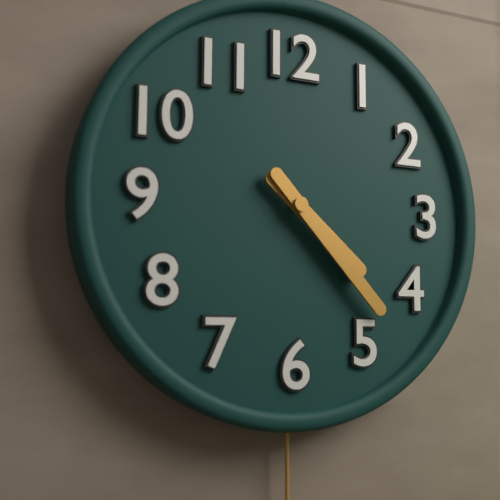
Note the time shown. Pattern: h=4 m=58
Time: h=4 m=23
